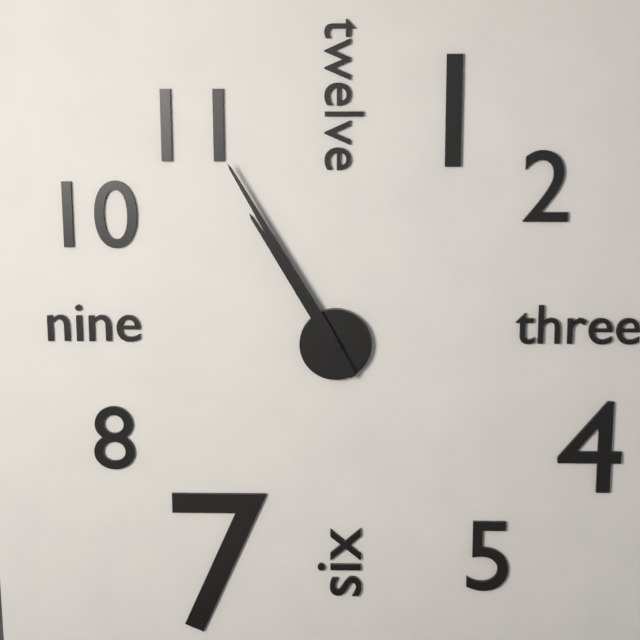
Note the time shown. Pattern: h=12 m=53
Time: h=10 m=55
